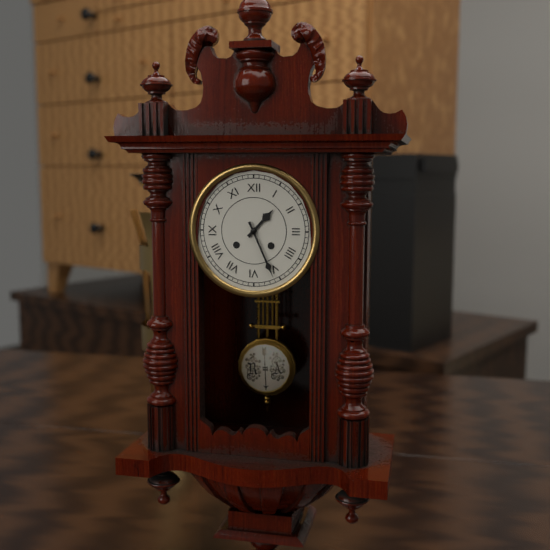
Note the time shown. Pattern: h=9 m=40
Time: h=1 m=26
